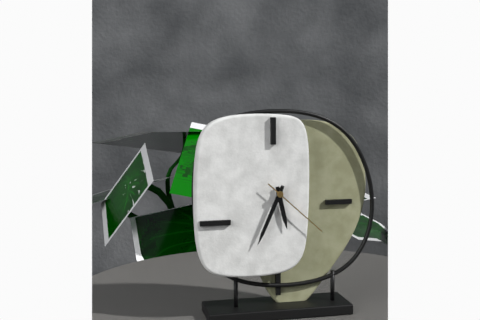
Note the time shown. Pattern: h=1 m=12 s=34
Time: h=5 m=34 s=22
